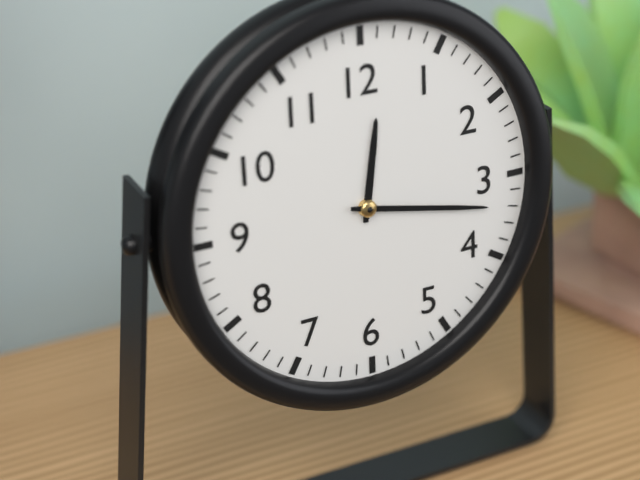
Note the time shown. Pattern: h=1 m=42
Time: h=12 m=17
